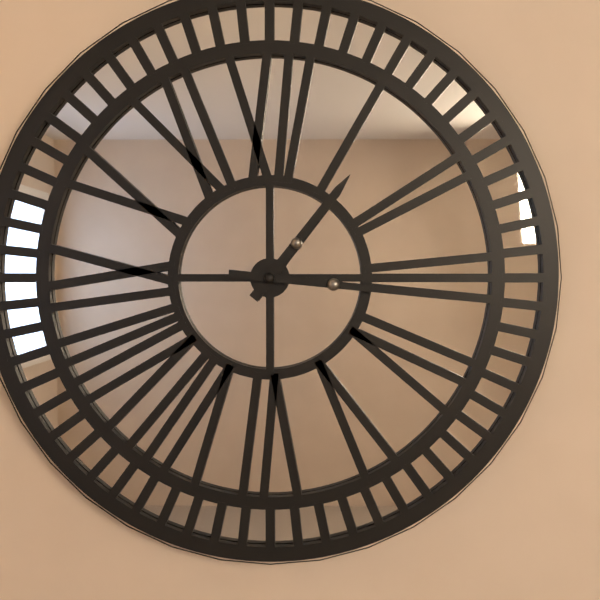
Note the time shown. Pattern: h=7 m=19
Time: h=1 m=16
